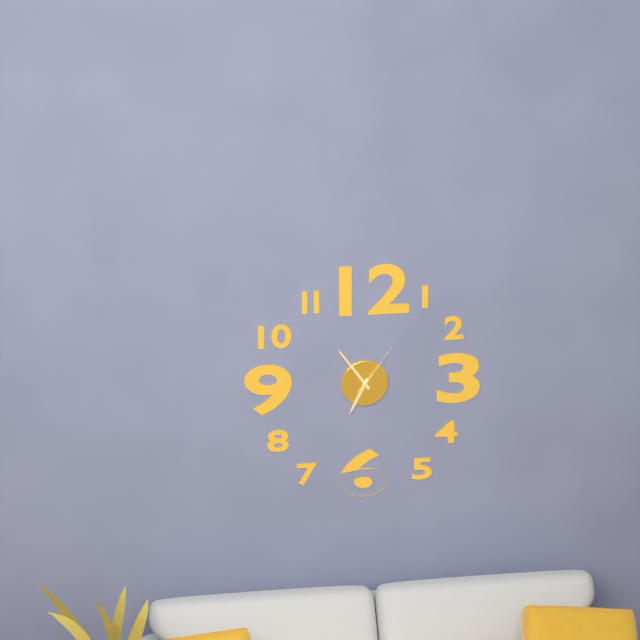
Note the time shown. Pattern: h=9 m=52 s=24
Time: h=6 m=54 s=6
